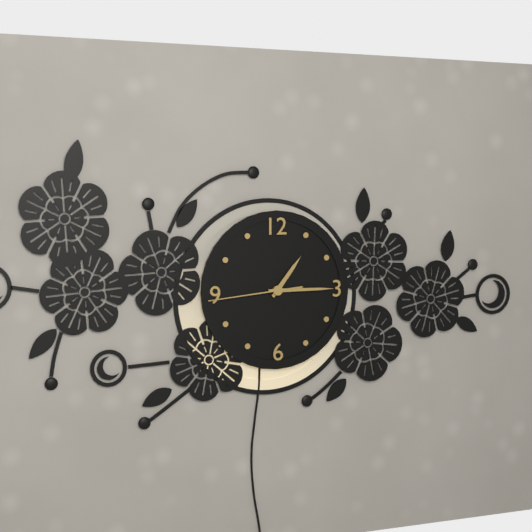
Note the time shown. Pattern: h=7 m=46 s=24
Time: h=1 m=15 s=44
